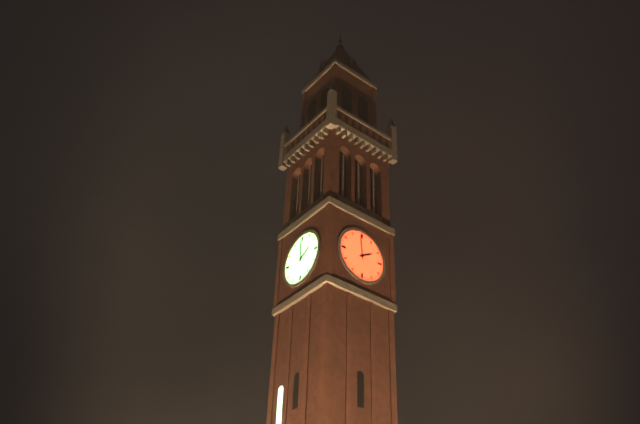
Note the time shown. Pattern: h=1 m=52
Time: h=1 m=59
